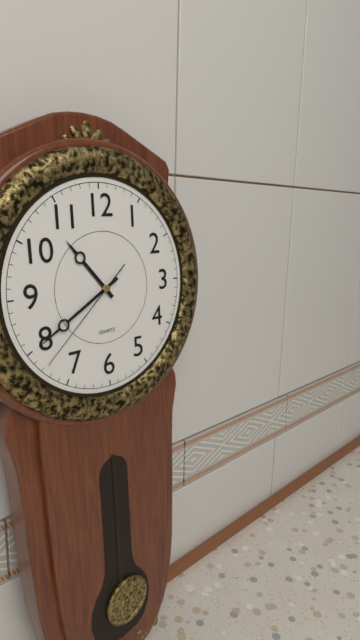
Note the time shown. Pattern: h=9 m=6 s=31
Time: h=10 m=40 s=38
